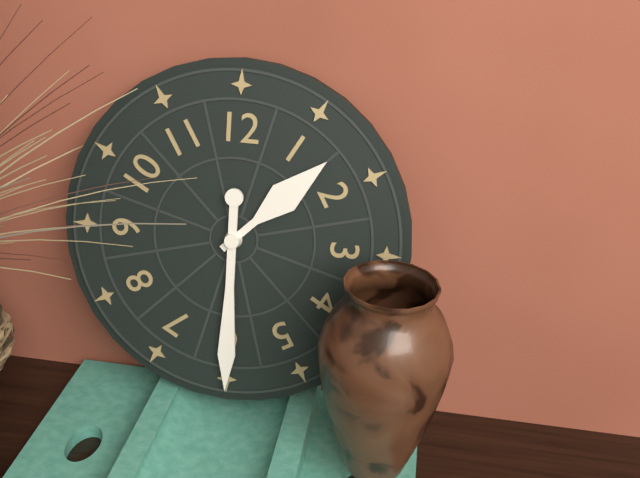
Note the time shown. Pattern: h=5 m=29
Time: h=1 m=30
